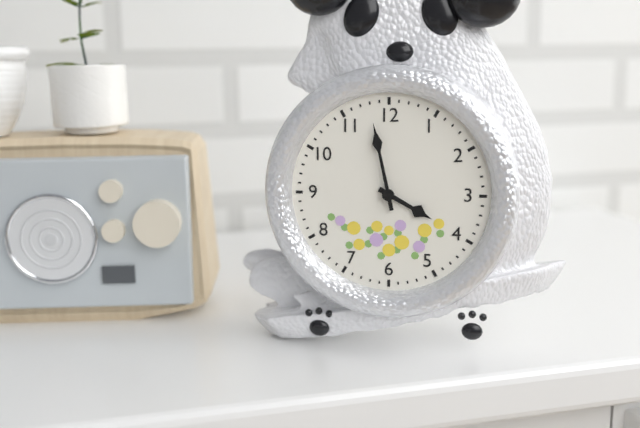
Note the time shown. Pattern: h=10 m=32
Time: h=3 m=58
